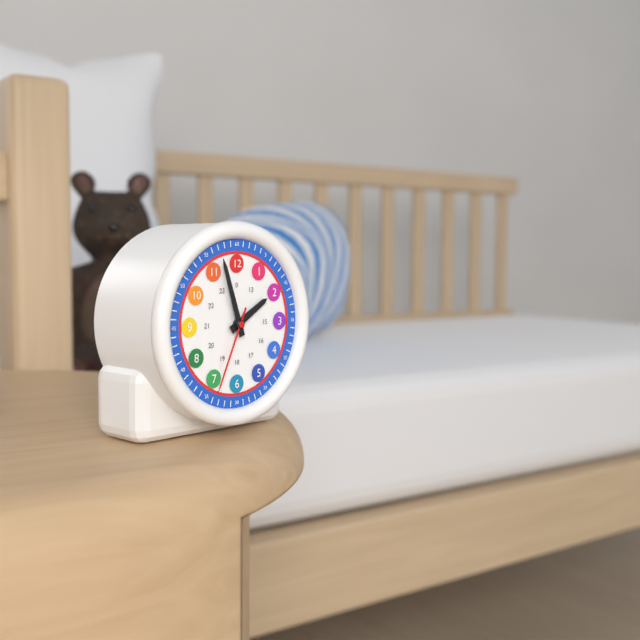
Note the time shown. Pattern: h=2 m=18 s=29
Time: h=1 m=57 s=34
